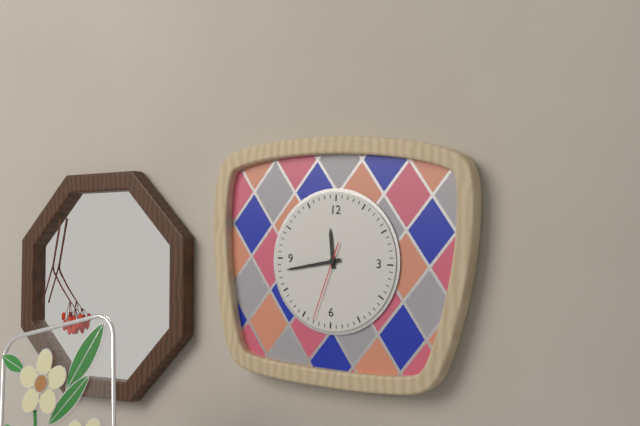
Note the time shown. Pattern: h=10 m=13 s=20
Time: h=11 m=43 s=33
